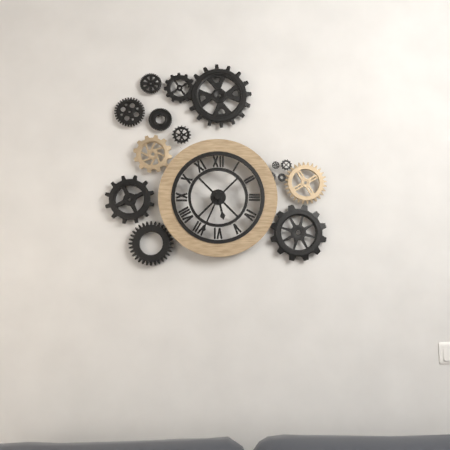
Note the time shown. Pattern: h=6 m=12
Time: h=5 m=34
